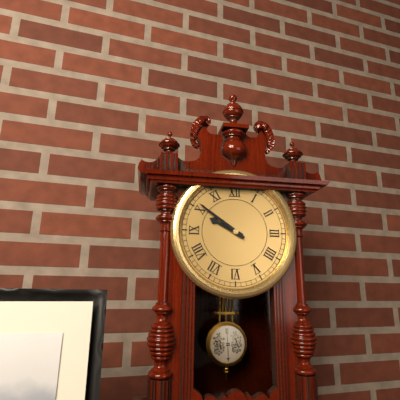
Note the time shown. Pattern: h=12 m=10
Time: h=9 m=51
